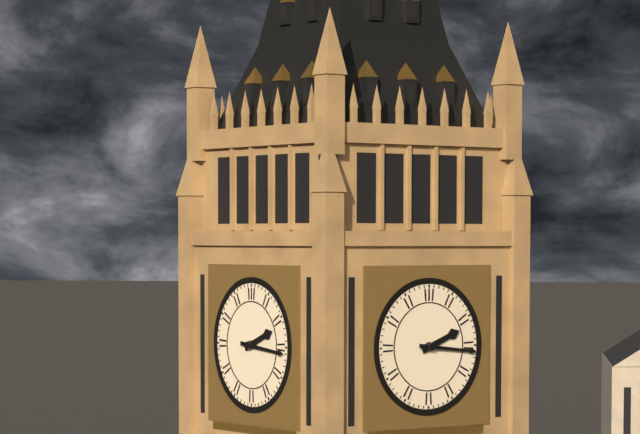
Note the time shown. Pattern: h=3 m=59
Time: h=2 m=16
